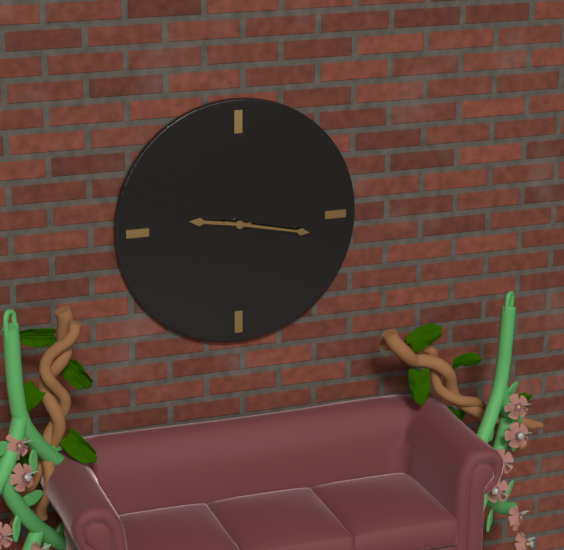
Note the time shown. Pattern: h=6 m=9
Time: h=9 m=17
